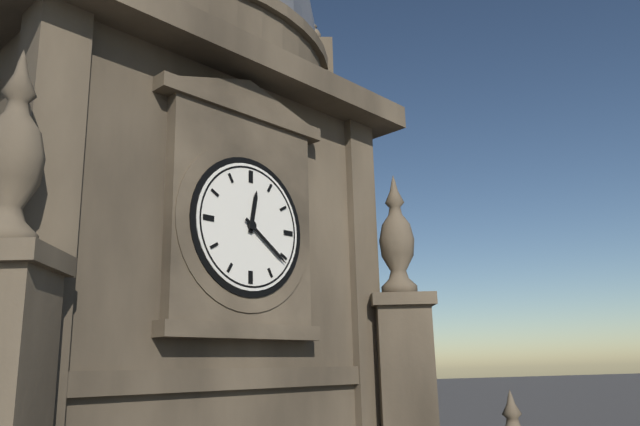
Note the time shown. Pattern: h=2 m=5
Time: h=12 m=21
